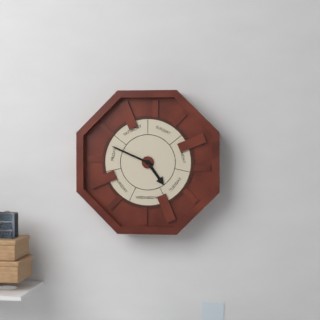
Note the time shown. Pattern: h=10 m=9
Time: h=4 m=49
